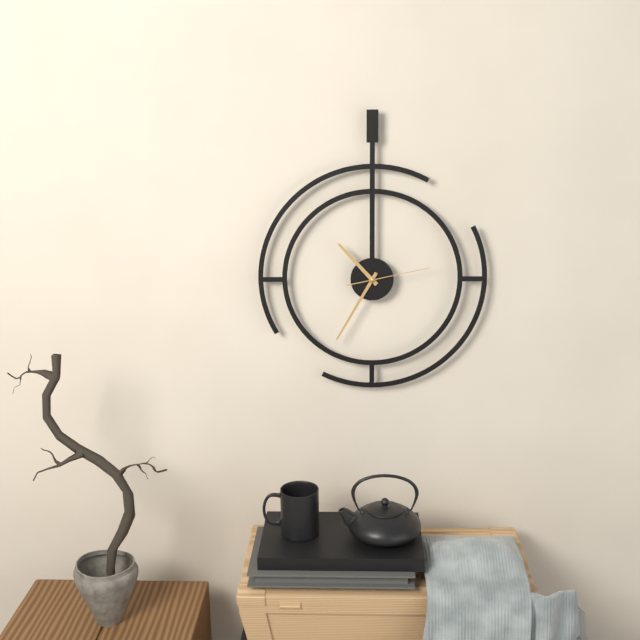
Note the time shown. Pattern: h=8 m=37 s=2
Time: h=10 m=35 s=13
